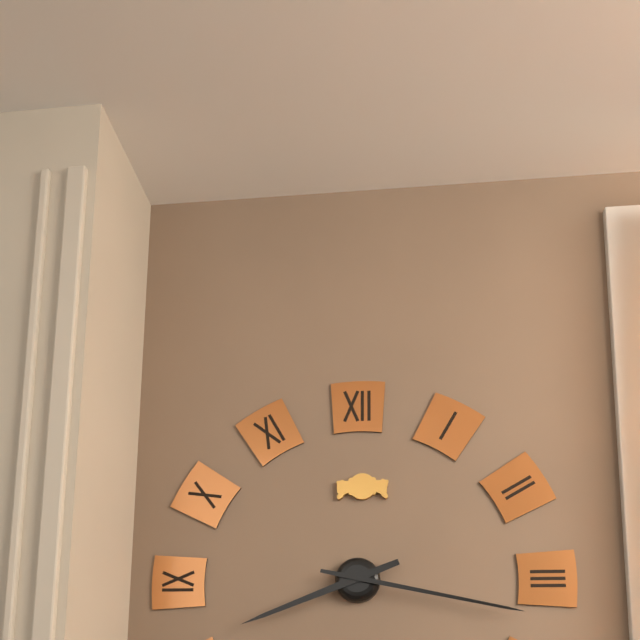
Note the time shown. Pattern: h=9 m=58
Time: h=8 m=17
